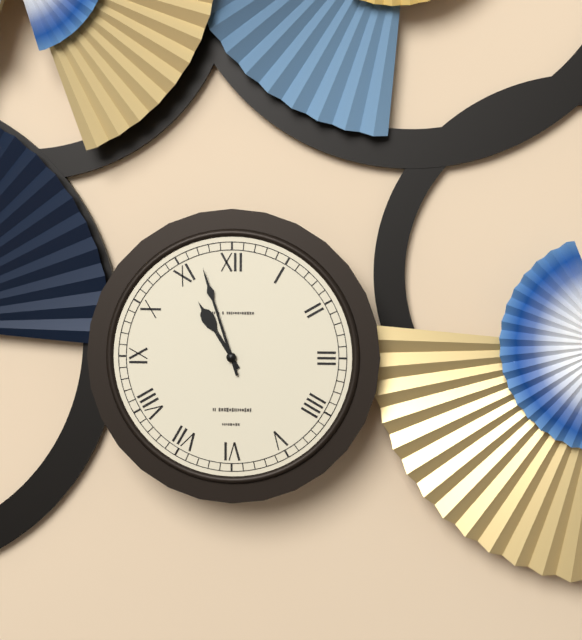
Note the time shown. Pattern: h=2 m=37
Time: h=10 m=57
